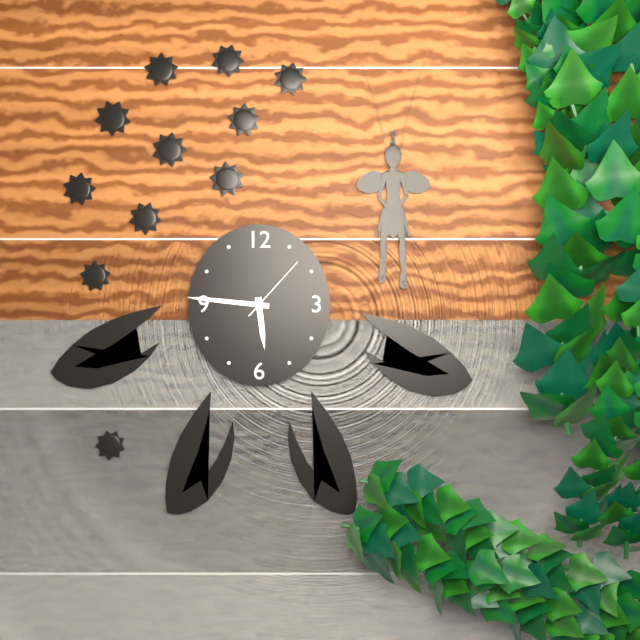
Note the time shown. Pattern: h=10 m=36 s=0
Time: h=5 m=46 s=7
